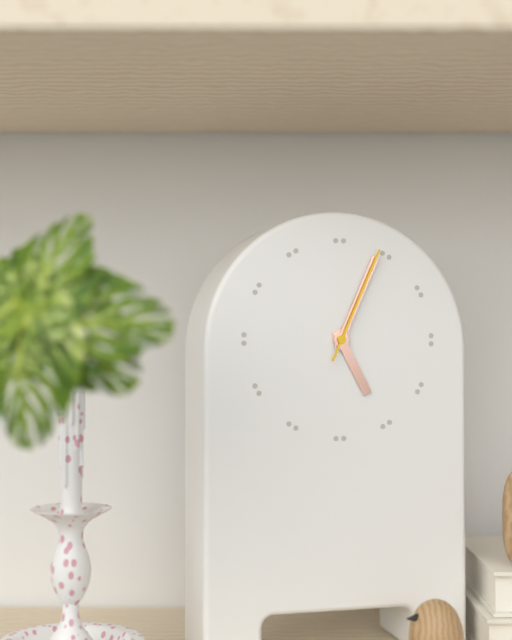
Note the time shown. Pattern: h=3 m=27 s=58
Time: h=5 m=4 s=4
